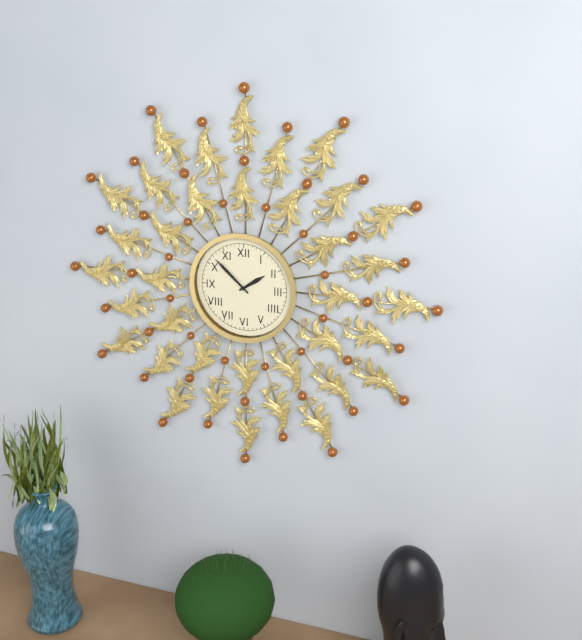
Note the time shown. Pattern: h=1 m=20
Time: h=1 m=52
